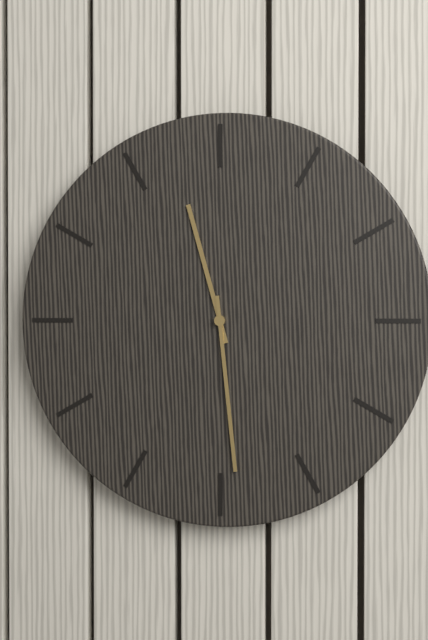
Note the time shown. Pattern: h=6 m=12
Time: h=11 m=29
